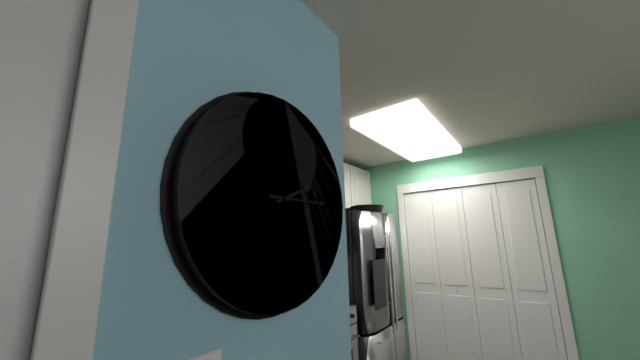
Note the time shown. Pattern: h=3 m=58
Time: h=2 m=15
